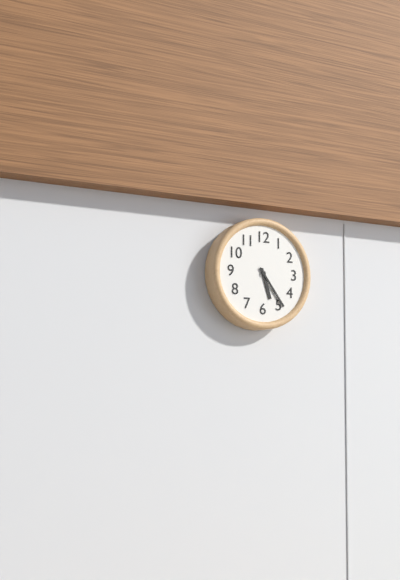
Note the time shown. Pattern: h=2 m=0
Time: h=5 m=24
